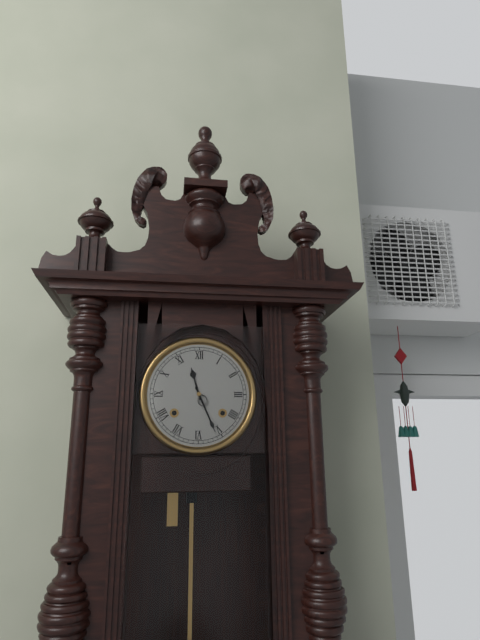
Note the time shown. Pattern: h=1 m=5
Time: h=11 m=26
